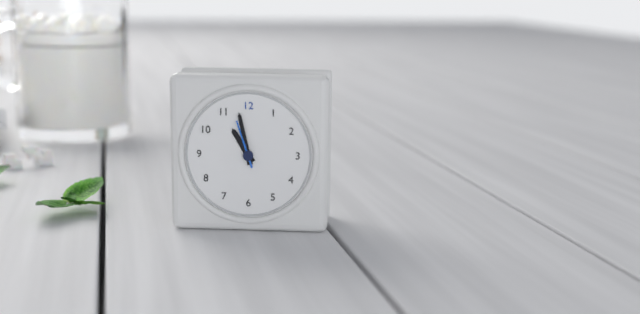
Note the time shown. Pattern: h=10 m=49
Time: h=10 m=58
